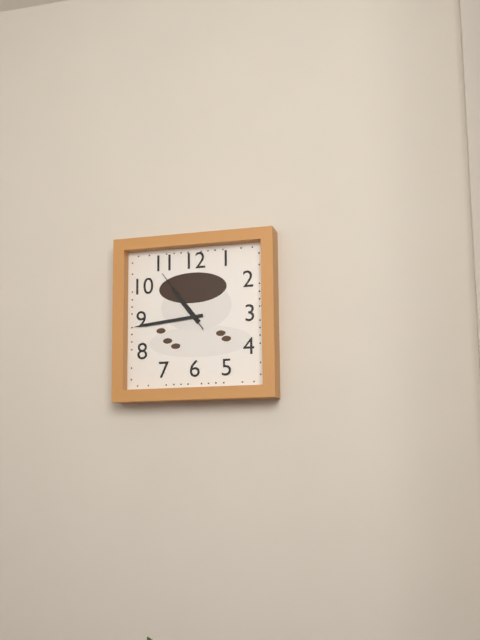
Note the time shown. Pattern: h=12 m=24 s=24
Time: h=10 m=44 s=54
